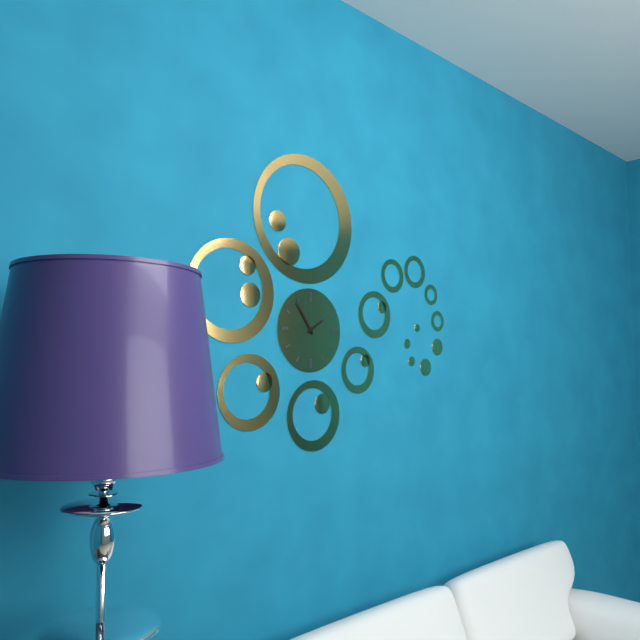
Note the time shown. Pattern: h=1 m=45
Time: h=1 m=54
